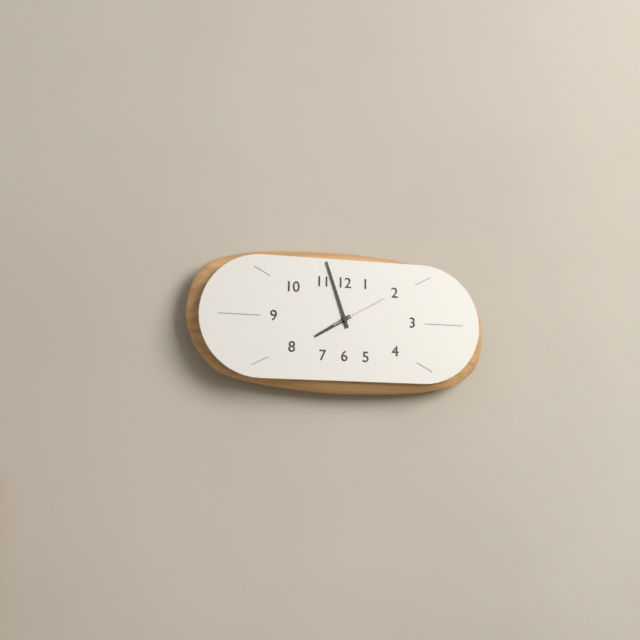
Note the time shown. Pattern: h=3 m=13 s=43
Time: h=7 m=57 s=10
